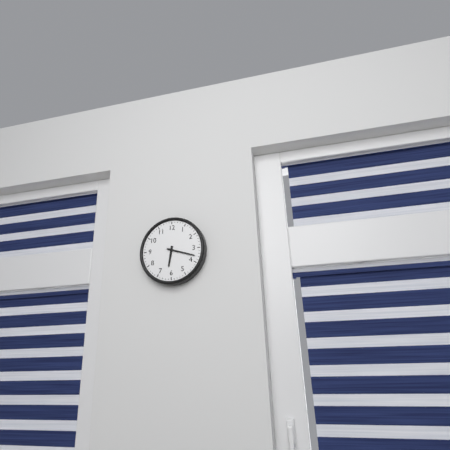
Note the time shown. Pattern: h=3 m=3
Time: h=6 m=18
